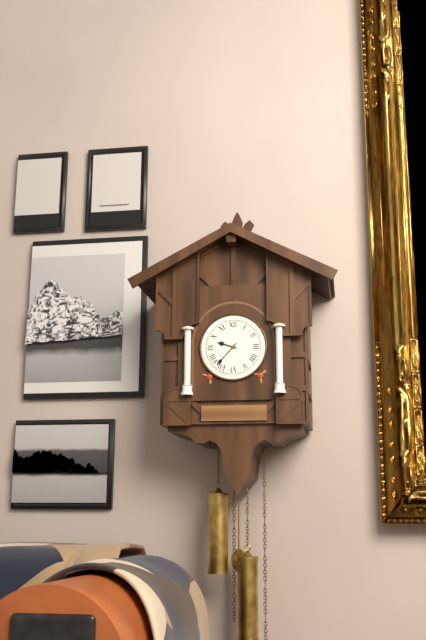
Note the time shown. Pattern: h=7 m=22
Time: h=9 m=37
